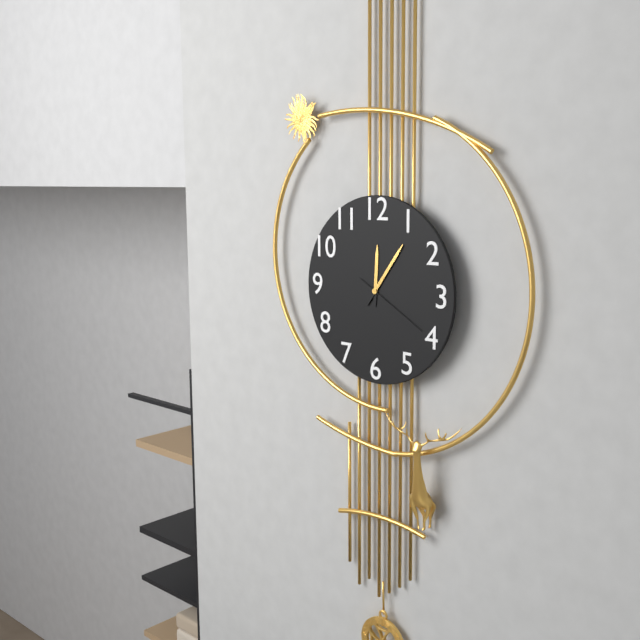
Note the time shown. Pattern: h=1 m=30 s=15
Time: h=12 m=6 s=20
